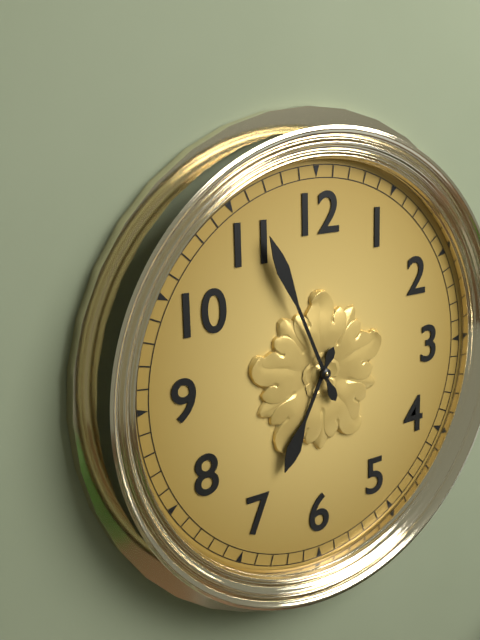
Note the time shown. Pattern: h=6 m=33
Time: h=6 m=56
